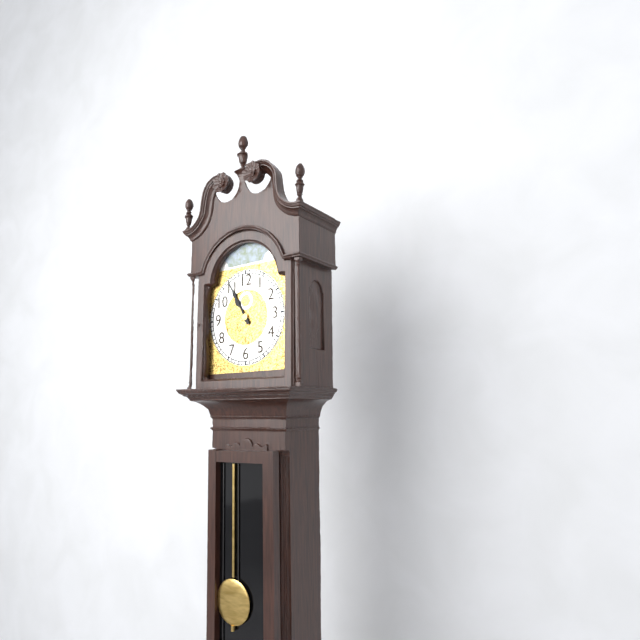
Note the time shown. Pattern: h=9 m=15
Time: h=10 m=55
